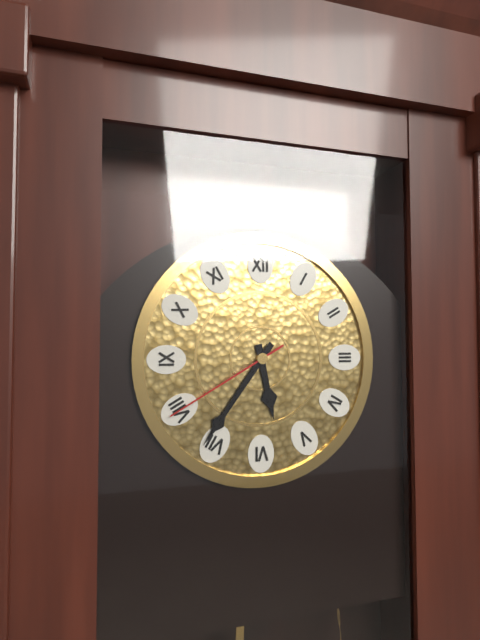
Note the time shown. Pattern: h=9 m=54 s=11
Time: h=5 m=36 s=40
